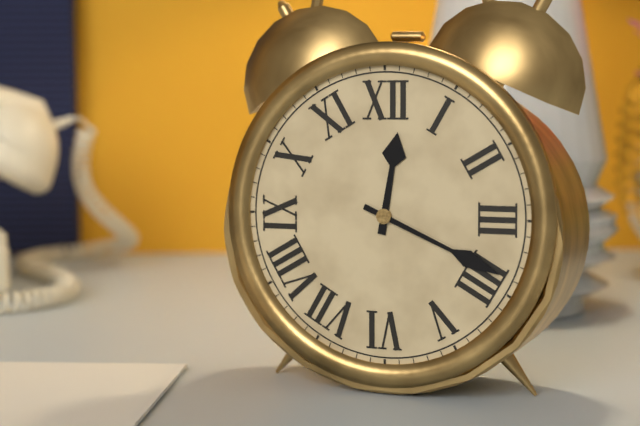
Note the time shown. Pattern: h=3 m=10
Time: h=12 m=19
